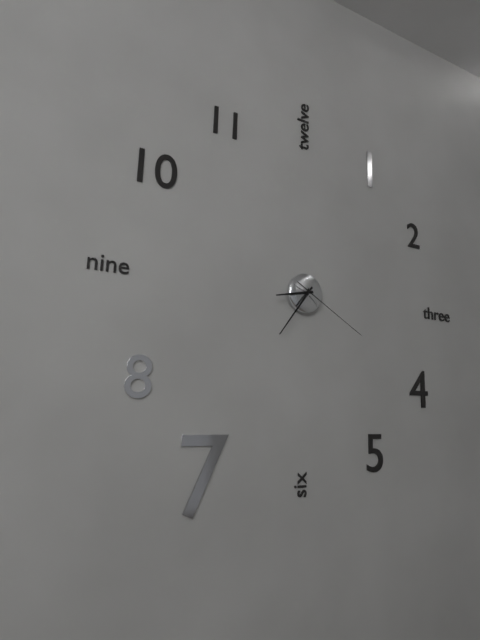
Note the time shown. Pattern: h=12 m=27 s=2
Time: h=8 m=36 s=20
